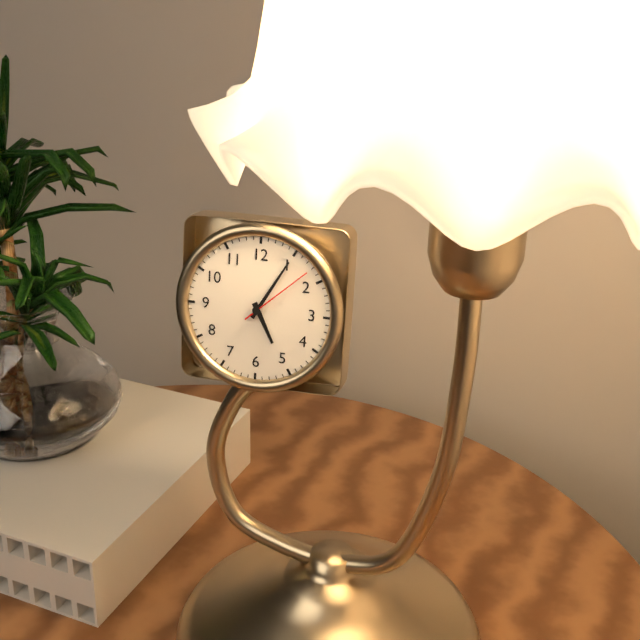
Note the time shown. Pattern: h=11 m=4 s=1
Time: h=5 m=5 s=8
